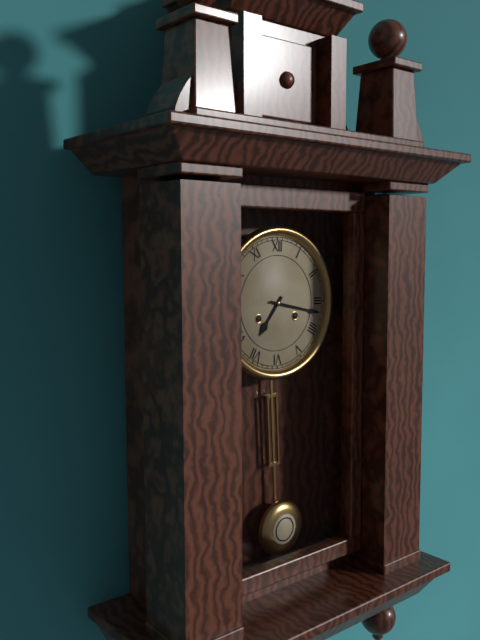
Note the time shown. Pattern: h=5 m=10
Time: h=7 m=17
